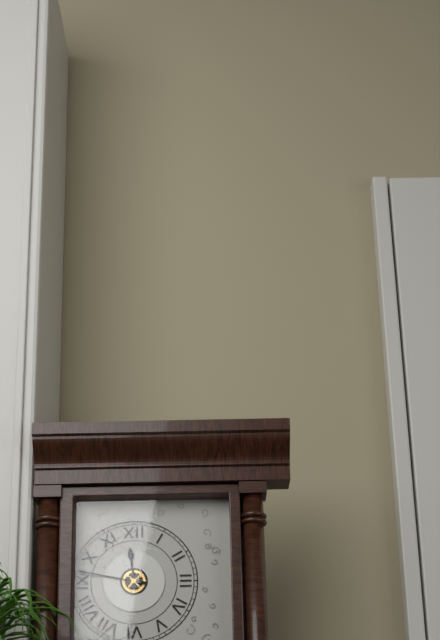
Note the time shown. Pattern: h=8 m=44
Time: h=11 m=47
